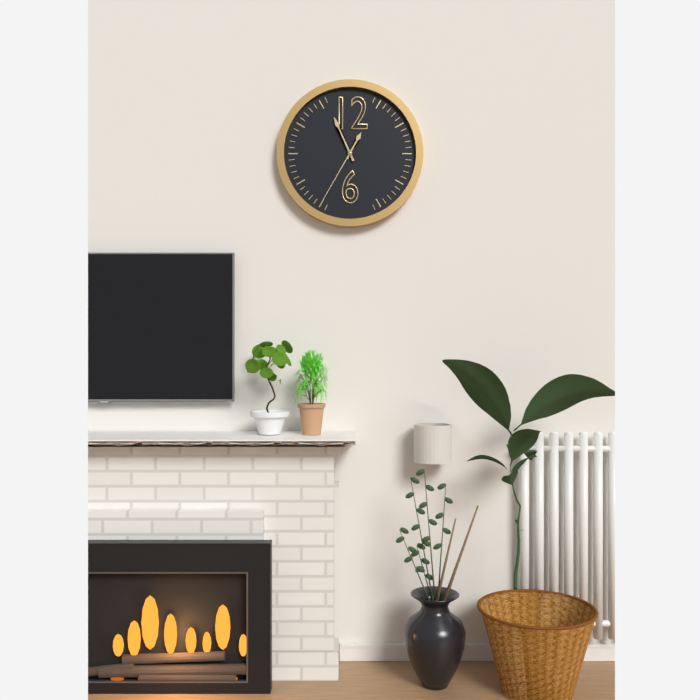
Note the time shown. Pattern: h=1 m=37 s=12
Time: h=12 m=56 s=35
